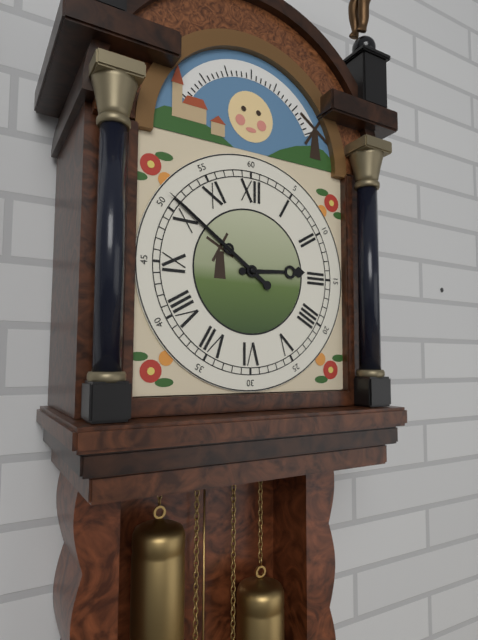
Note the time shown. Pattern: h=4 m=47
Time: h=2 m=51
